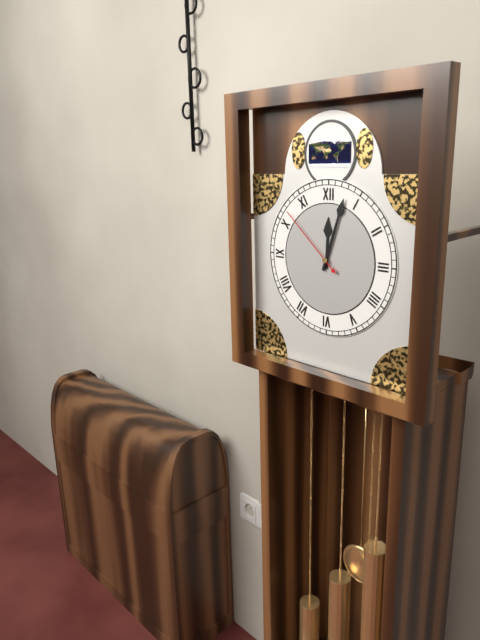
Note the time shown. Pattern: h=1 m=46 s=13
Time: h=12 m=3 s=52
